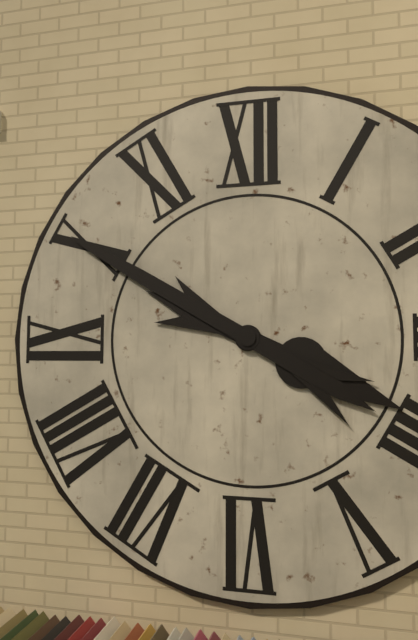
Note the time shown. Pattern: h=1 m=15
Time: h=3 m=50
